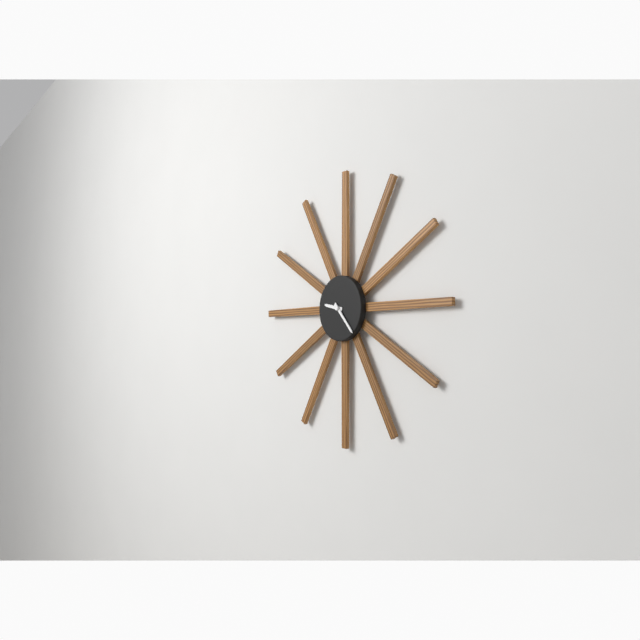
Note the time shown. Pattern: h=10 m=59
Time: h=9 m=23
